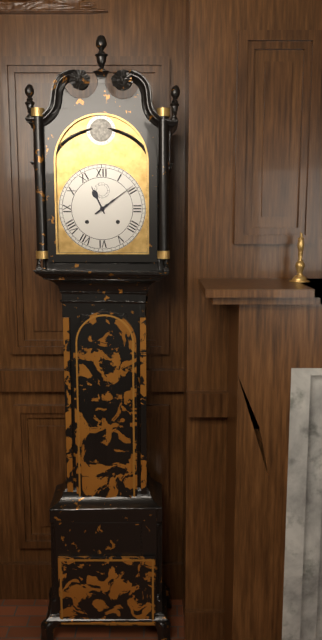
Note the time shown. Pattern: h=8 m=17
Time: h=11 m=9
